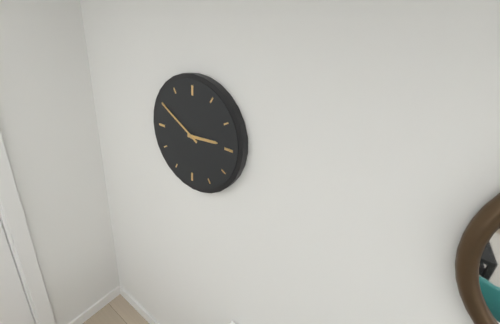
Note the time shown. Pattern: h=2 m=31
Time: h=2 m=50
